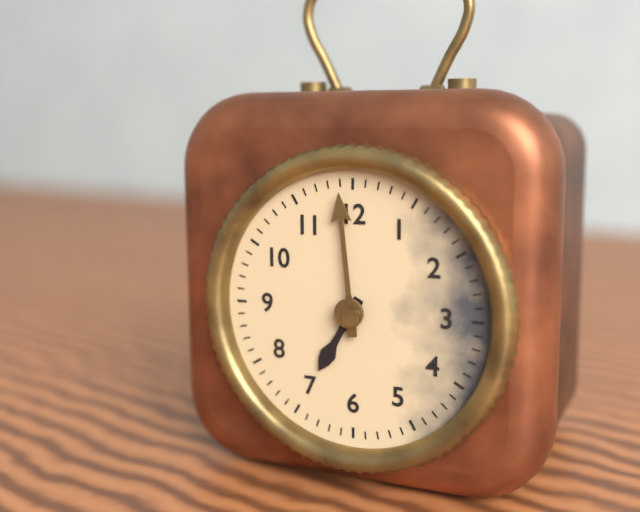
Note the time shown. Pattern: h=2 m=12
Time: h=6 m=59
